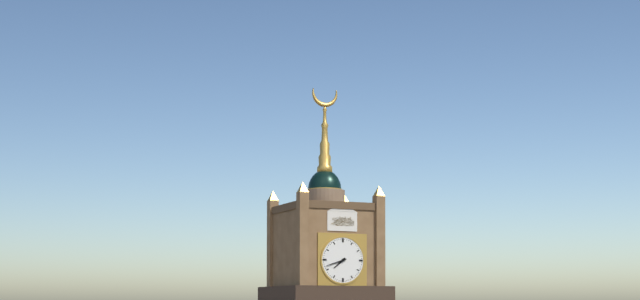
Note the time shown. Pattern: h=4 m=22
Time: h=7 m=42
